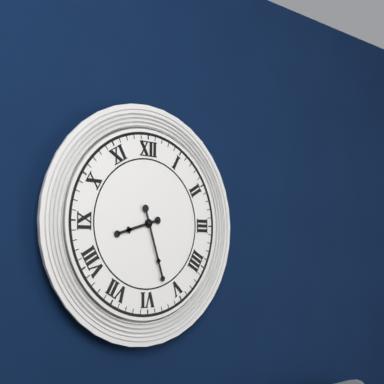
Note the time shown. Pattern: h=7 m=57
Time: h=8 m=27
